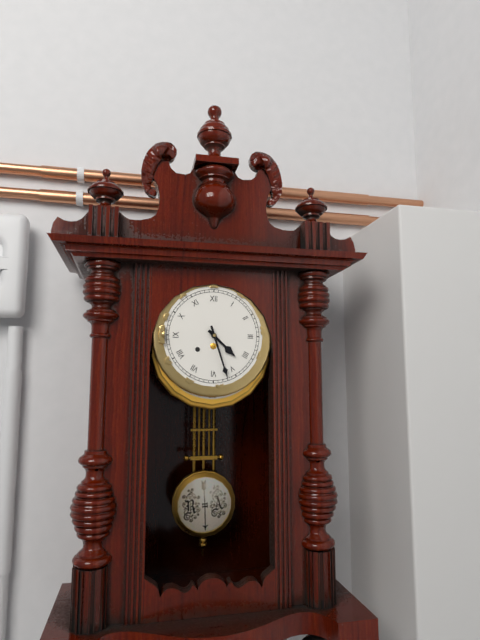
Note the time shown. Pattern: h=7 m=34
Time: h=4 m=27
